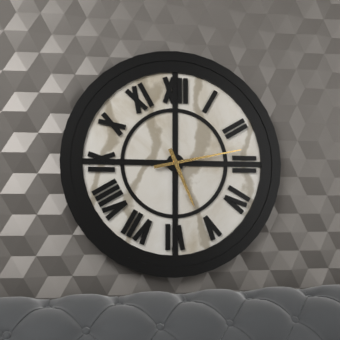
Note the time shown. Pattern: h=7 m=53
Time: h=5 m=13
